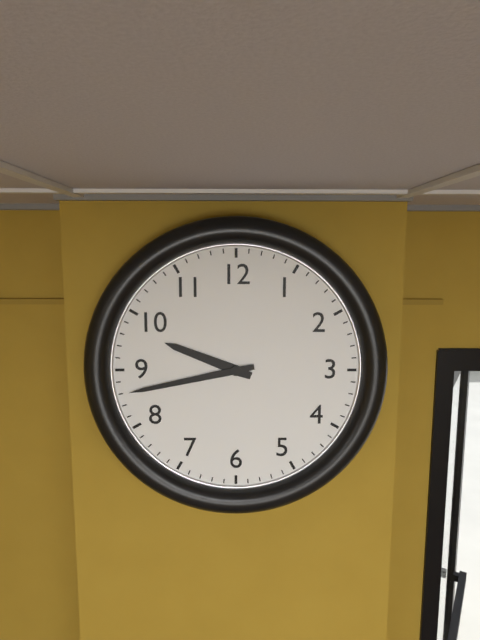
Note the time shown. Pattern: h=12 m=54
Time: h=9 m=43
